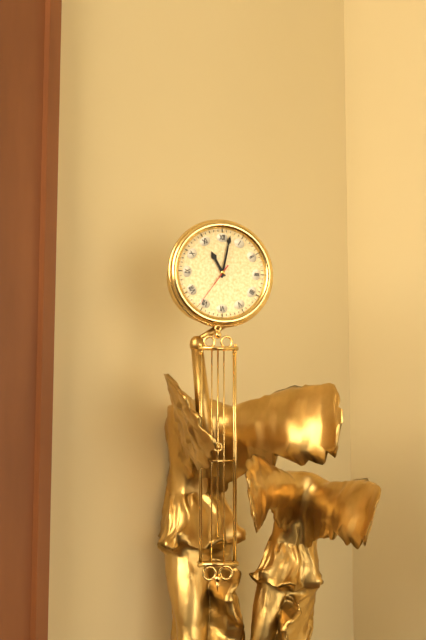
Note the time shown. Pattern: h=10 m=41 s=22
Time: h=11 m=2 s=36
